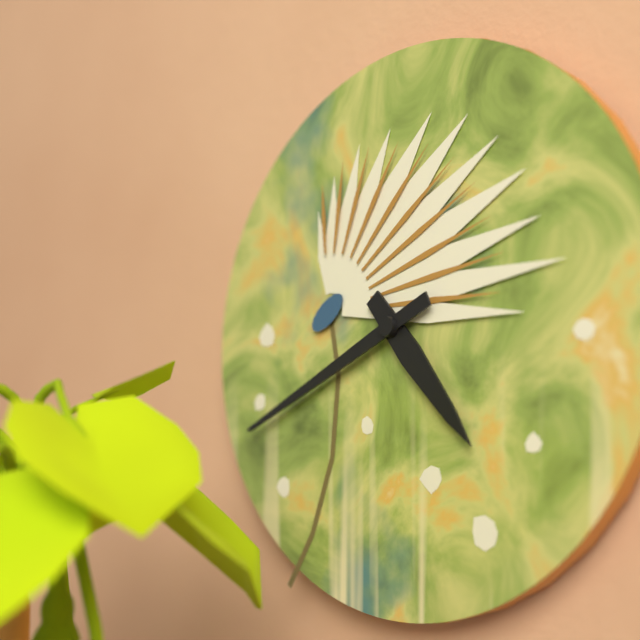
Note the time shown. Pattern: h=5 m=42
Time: h=4 m=41
